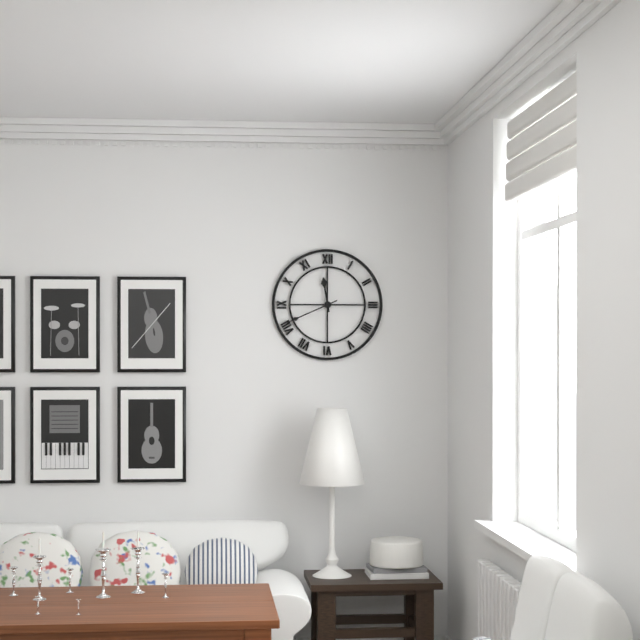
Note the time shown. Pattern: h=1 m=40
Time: h=11 m=41
